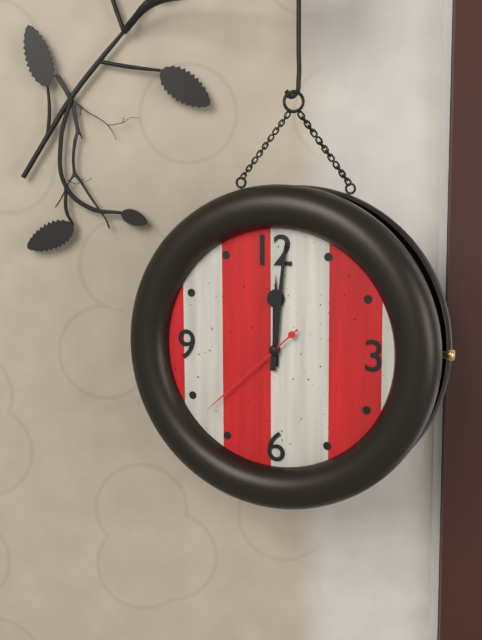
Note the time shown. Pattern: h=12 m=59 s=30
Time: h=12 m=1 s=38
